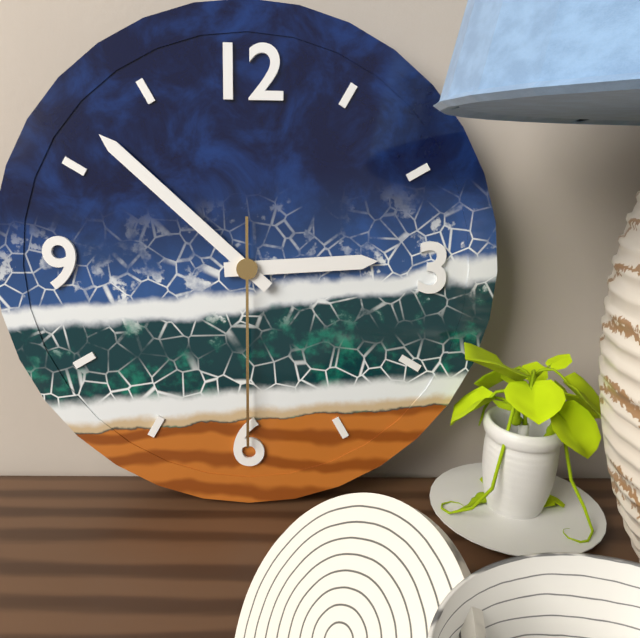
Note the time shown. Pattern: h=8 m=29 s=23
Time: h=2 m=52 s=30
